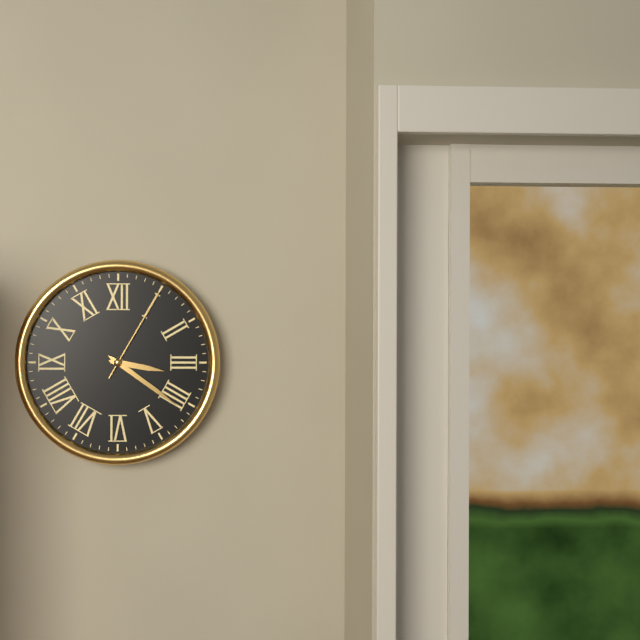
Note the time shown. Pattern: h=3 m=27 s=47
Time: h=3 m=21 s=5
